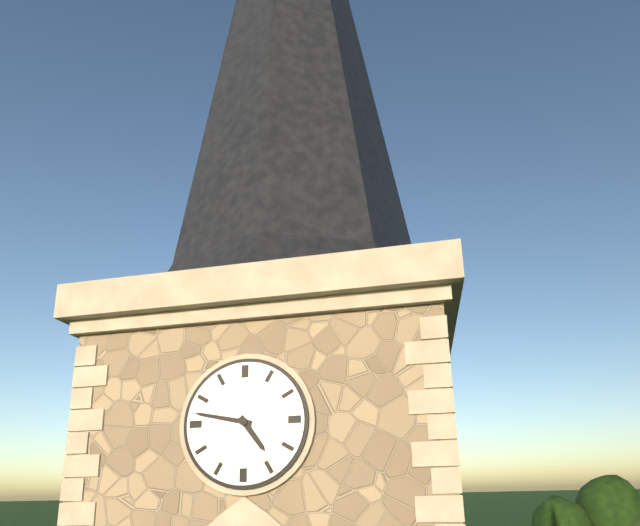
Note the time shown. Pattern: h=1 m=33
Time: h=4 m=47
